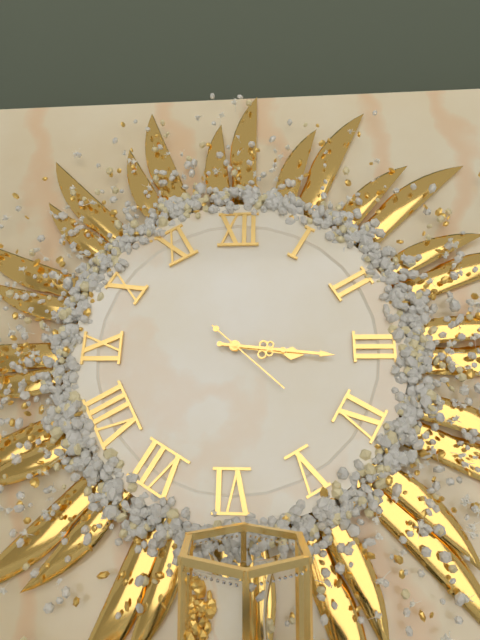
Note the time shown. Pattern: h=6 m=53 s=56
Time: h=3 m=16 s=22
